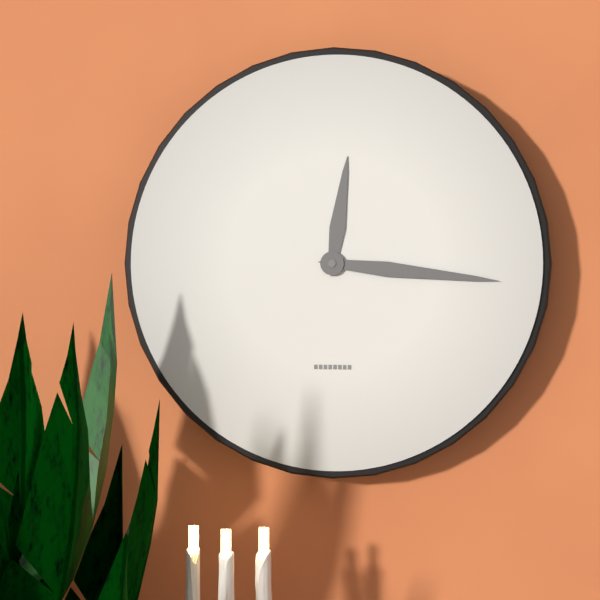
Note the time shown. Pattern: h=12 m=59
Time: h=12 m=16
